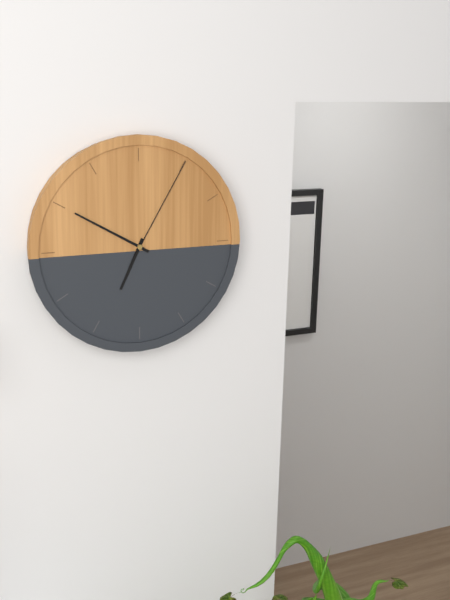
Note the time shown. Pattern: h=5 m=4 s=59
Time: h=6 m=50 s=5
